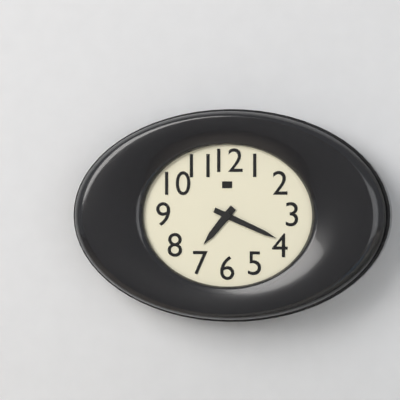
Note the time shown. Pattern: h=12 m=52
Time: h=7 m=19
